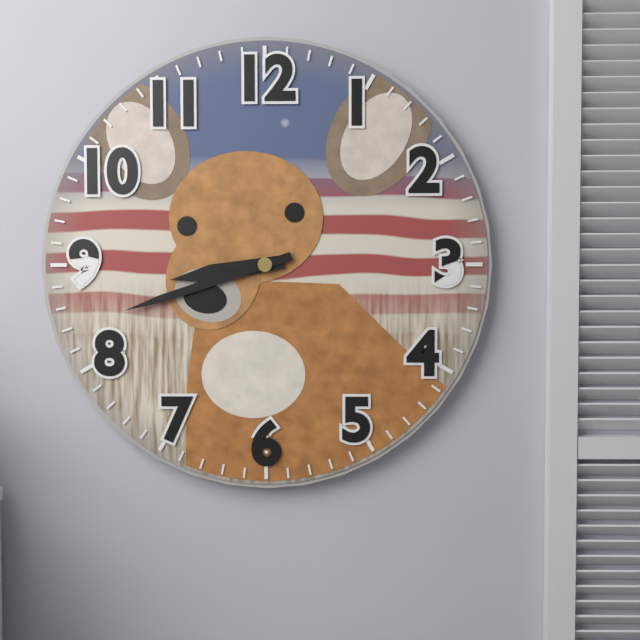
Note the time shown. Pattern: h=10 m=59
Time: h=8 m=42
